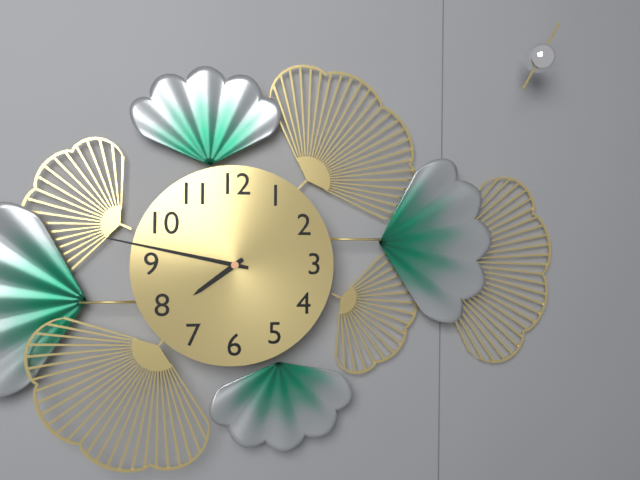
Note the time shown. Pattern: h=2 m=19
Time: h=7 m=47
